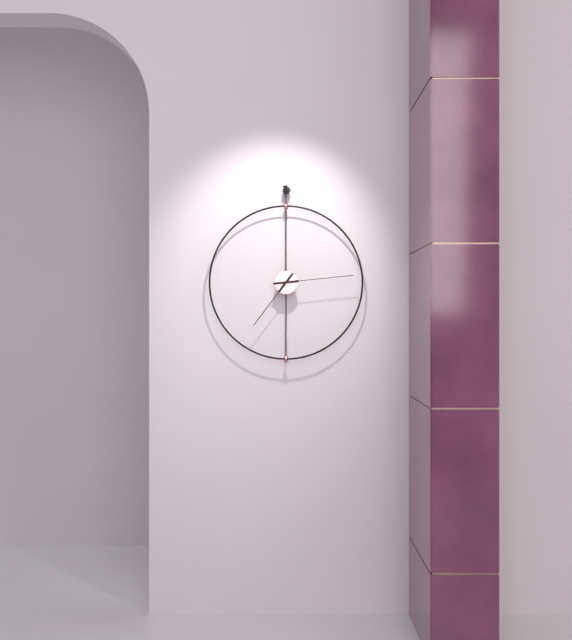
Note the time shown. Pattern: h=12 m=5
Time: h=7 m=14
